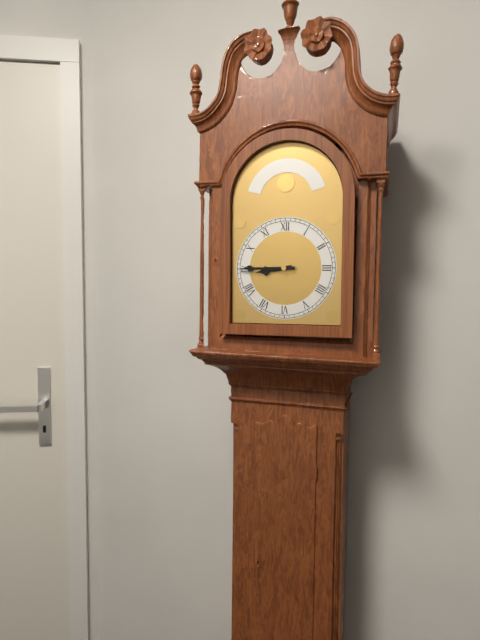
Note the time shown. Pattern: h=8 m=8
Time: h=8 m=45
